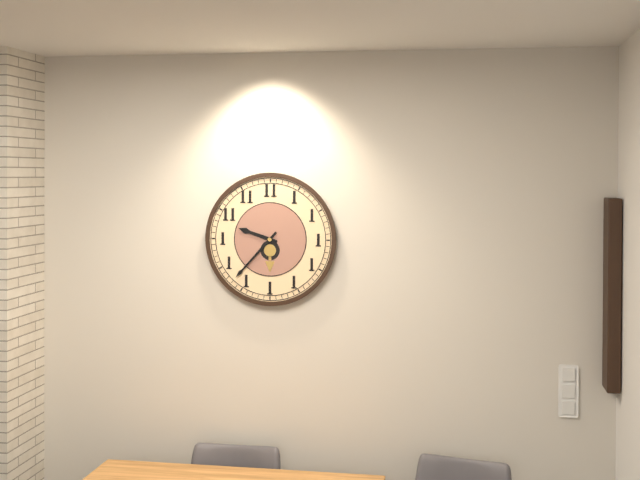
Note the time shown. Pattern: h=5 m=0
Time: h=9 m=37
